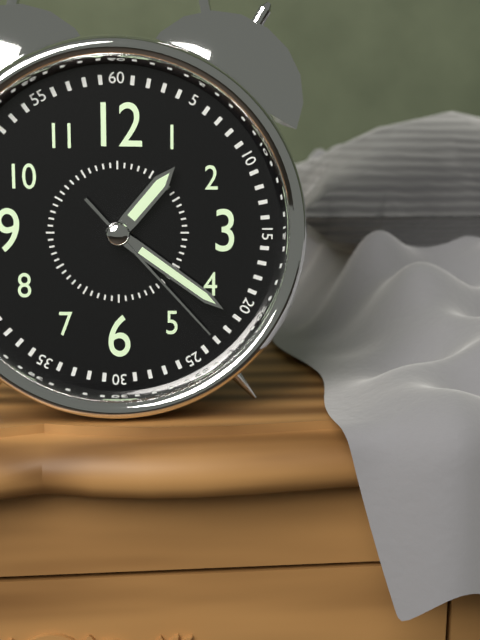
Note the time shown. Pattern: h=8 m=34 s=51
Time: h=1 m=21 s=23
